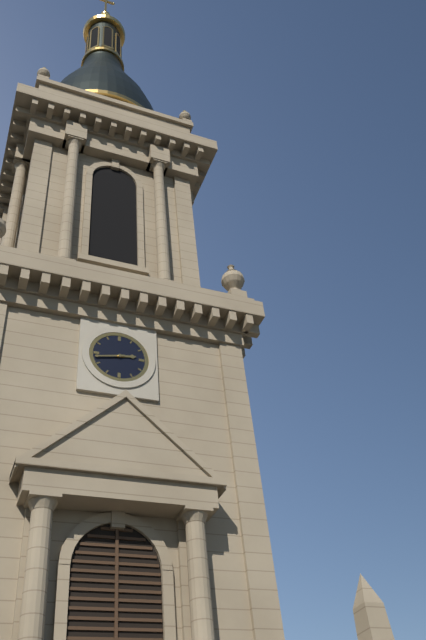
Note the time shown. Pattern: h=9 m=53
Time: h=2 m=43
